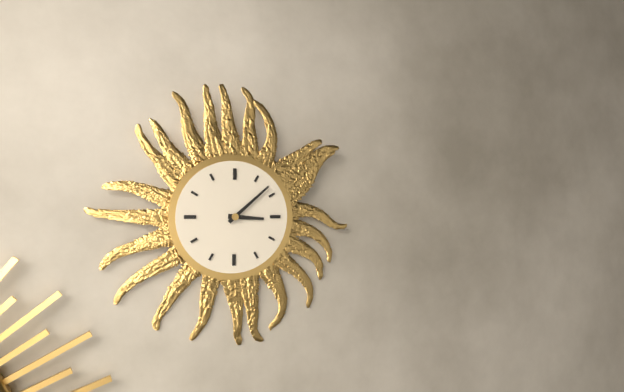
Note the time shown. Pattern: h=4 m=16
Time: h=3 m=8
